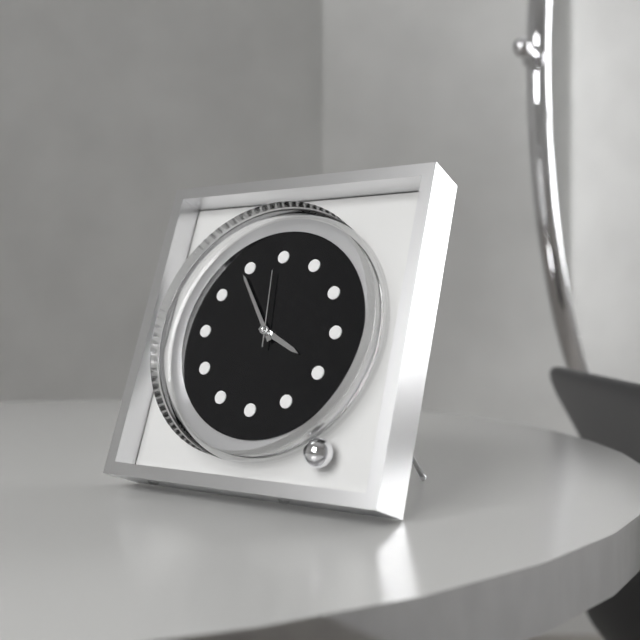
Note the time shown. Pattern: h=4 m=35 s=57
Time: h=3 m=54 s=59
